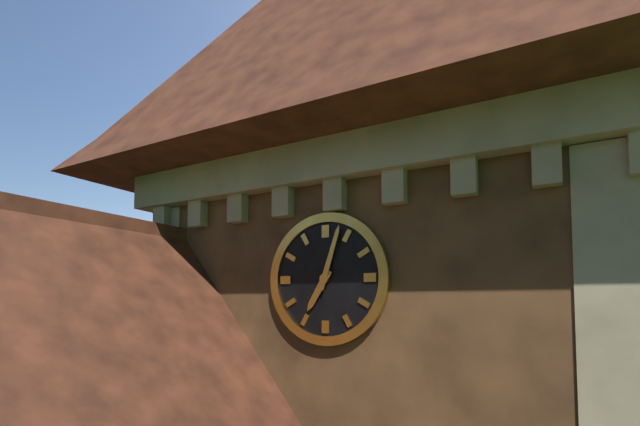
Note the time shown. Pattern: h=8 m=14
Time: h=7 m=3
